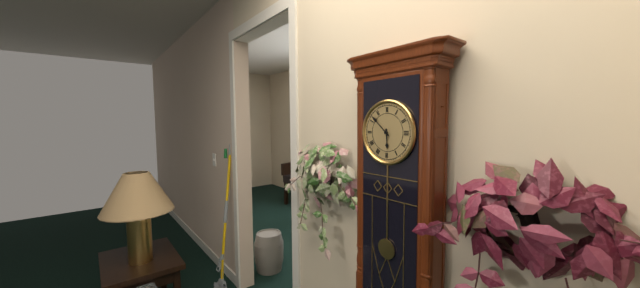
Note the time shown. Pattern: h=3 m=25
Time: h=5 m=52
